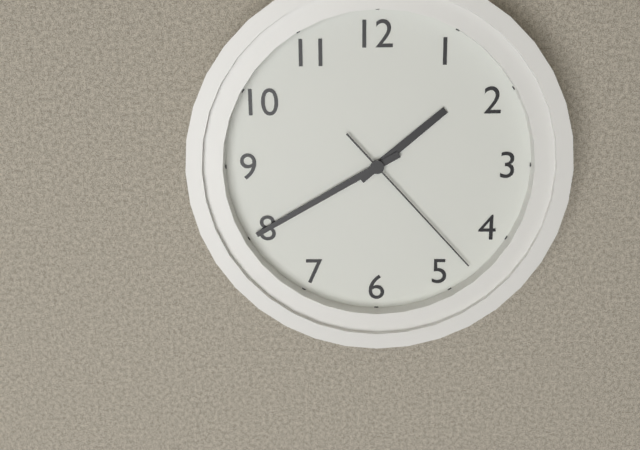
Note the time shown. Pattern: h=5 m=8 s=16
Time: h=1 m=40 s=23
